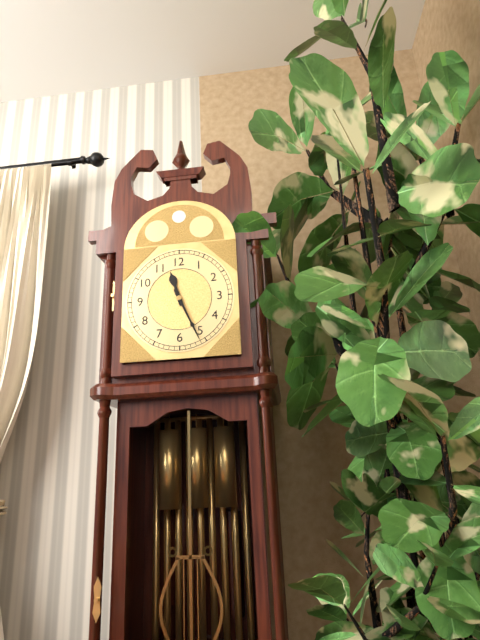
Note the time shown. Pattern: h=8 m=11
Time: h=11 m=26
